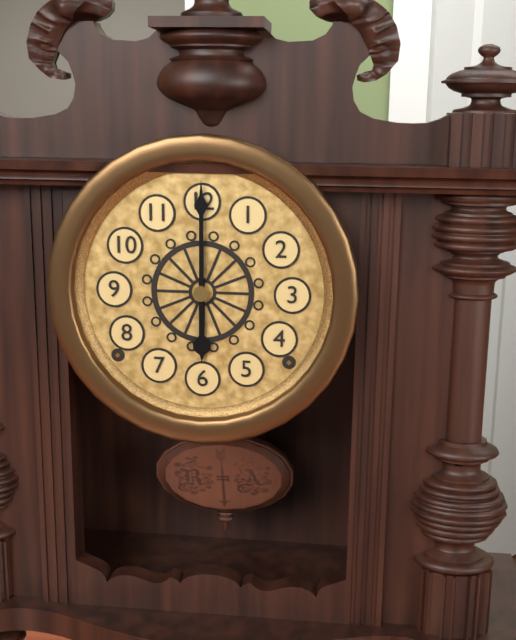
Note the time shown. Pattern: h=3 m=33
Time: h=6 m=0
